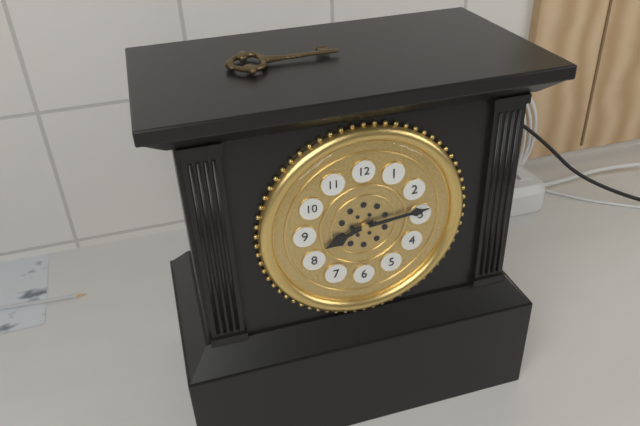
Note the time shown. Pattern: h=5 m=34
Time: h=8 m=14
